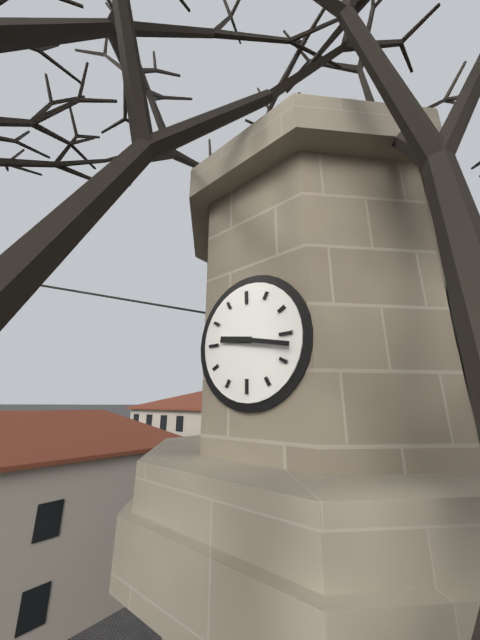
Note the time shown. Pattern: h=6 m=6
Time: h=9 m=17
